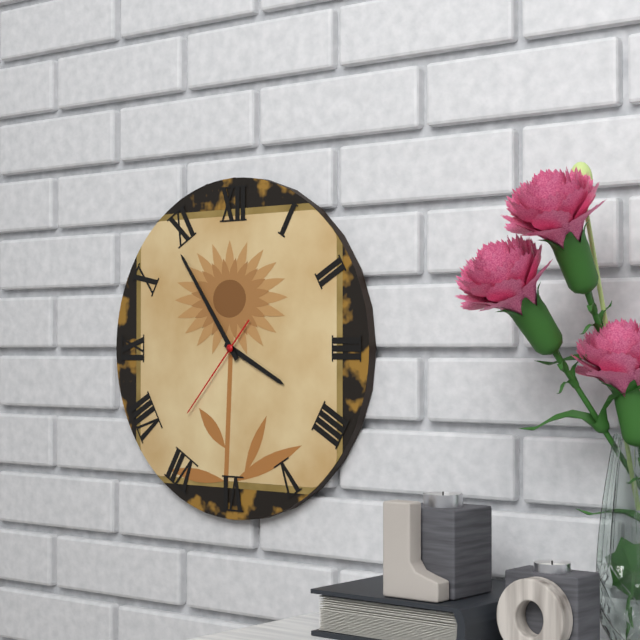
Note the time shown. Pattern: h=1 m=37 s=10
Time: h=3 m=54 s=37
